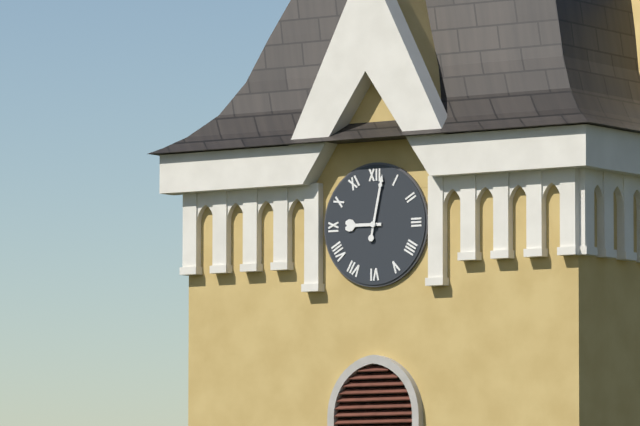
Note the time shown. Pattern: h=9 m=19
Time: h=9 m=2
